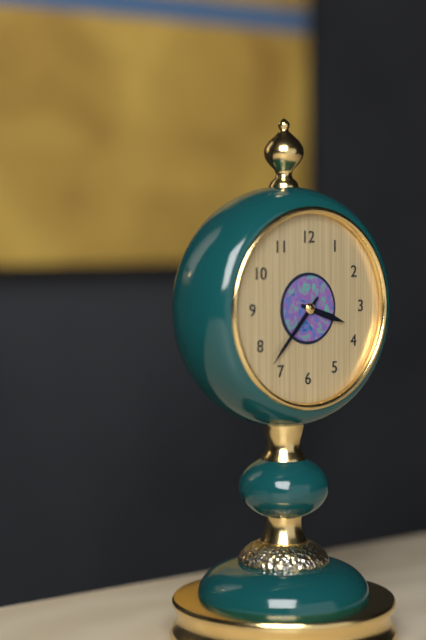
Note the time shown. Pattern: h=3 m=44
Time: h=3 m=37
